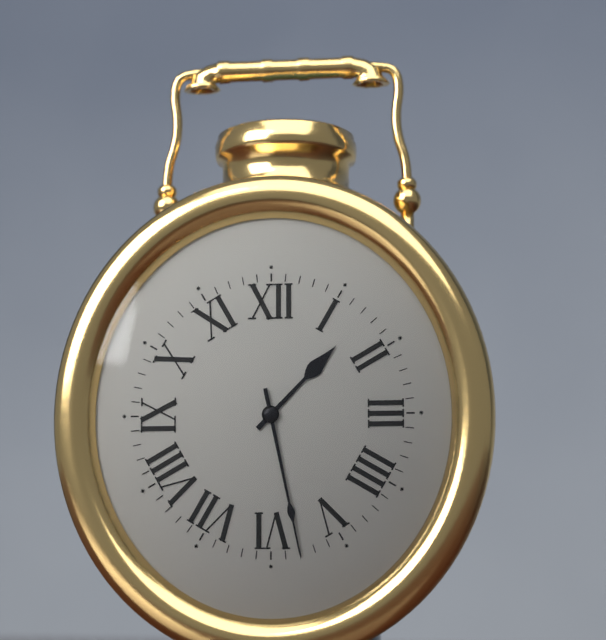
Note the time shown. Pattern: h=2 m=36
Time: h=1 m=28
